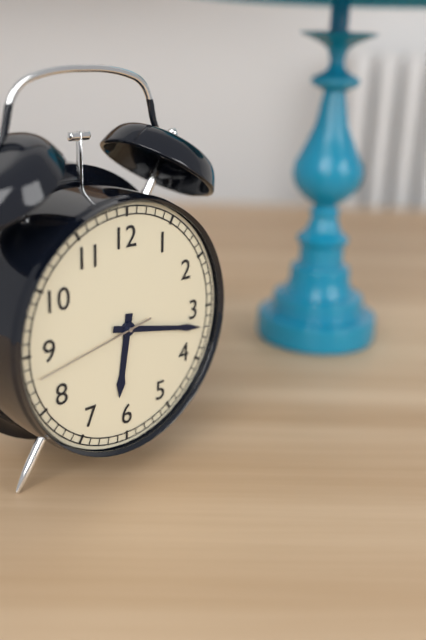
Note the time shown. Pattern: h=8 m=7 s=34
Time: h=6 m=17 s=43
